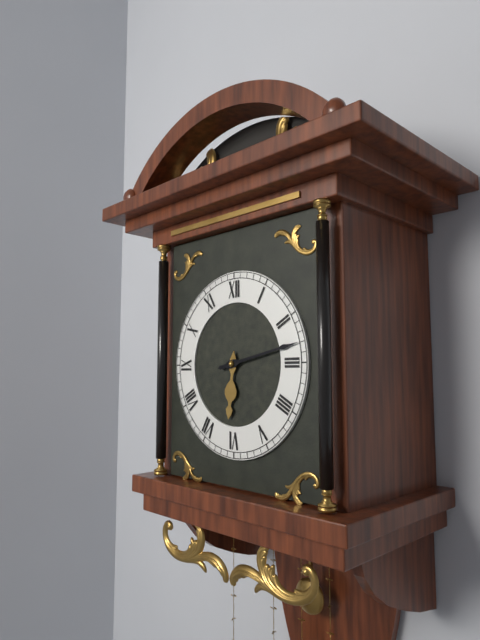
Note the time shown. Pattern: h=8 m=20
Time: h=6 m=13
